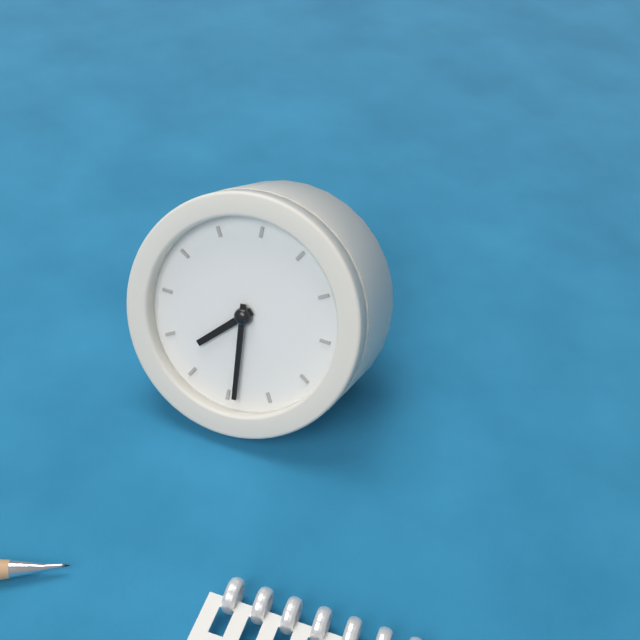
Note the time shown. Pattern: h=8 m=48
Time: h=7 m=29
